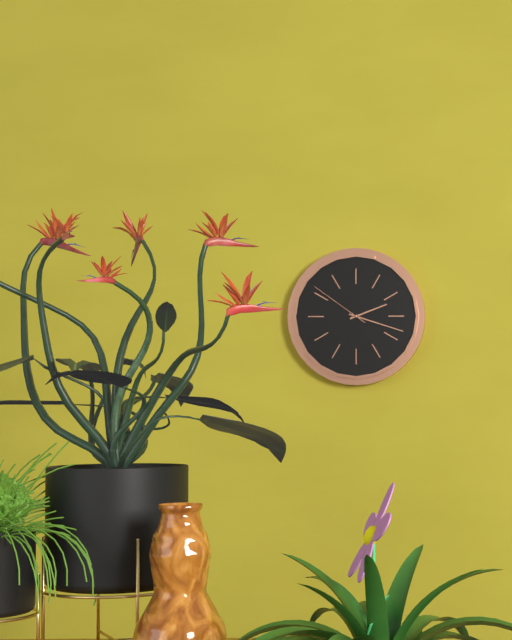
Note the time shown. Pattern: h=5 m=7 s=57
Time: h=2 m=18 s=51
